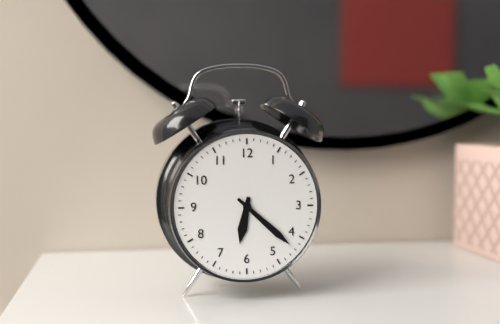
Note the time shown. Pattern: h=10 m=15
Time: h=6 m=22
